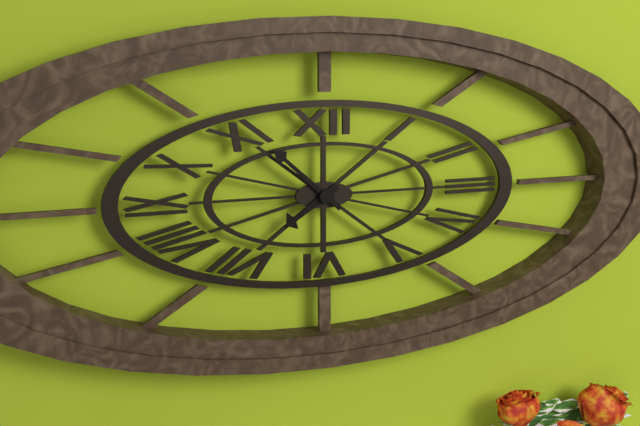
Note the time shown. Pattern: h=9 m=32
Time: h=7 m=52
